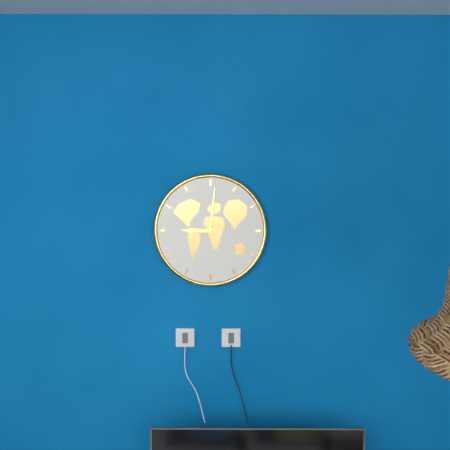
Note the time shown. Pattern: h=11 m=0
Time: h=9 m=1
